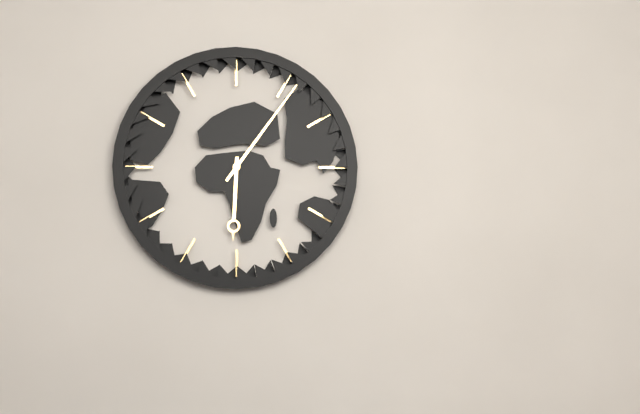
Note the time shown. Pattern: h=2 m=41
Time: h=6 m=6
